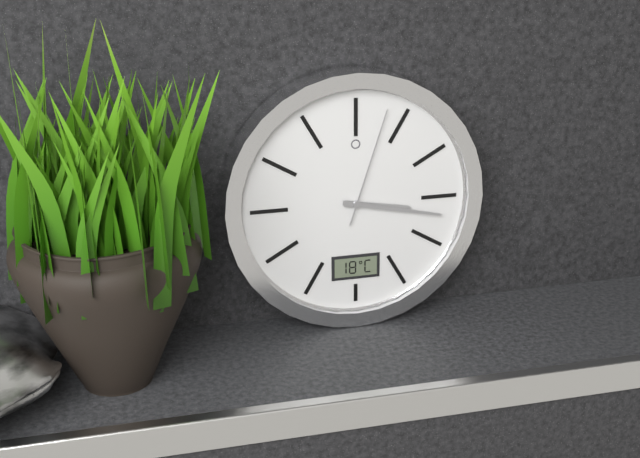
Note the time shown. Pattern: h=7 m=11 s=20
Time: h=3 m=17 s=3
